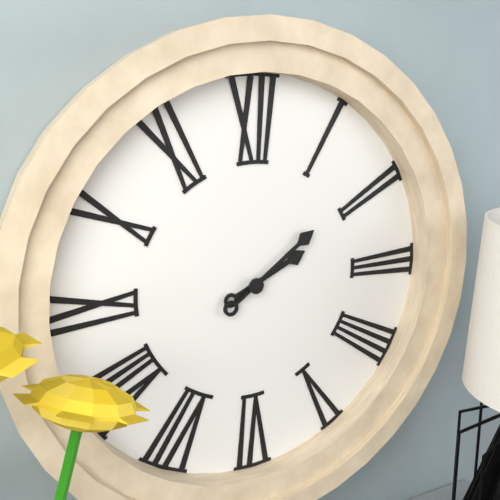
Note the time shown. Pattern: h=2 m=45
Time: h=2 m=9
